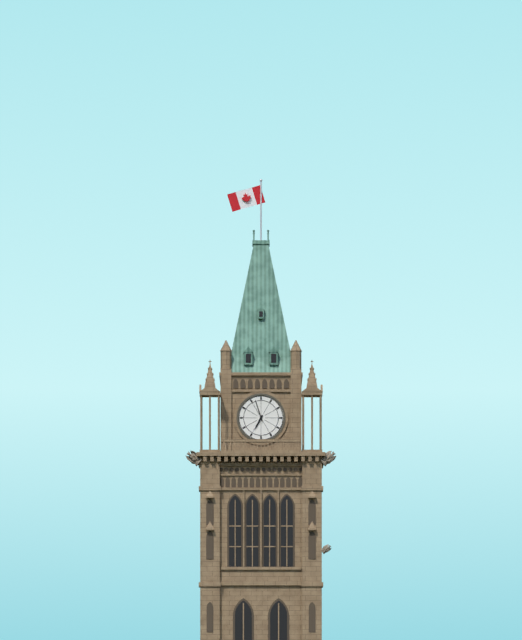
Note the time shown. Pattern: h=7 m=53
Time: h=6 m=57
